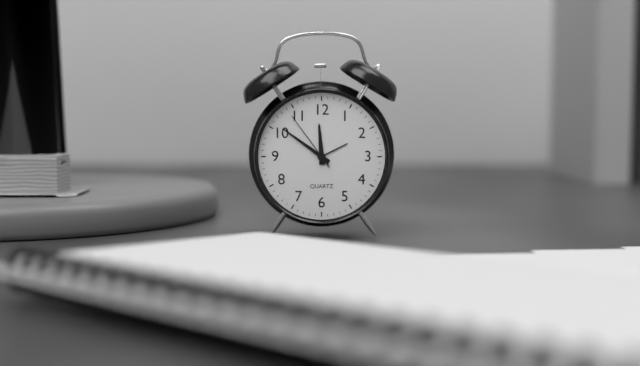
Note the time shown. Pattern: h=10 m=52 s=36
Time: h=11 m=51 s=54
